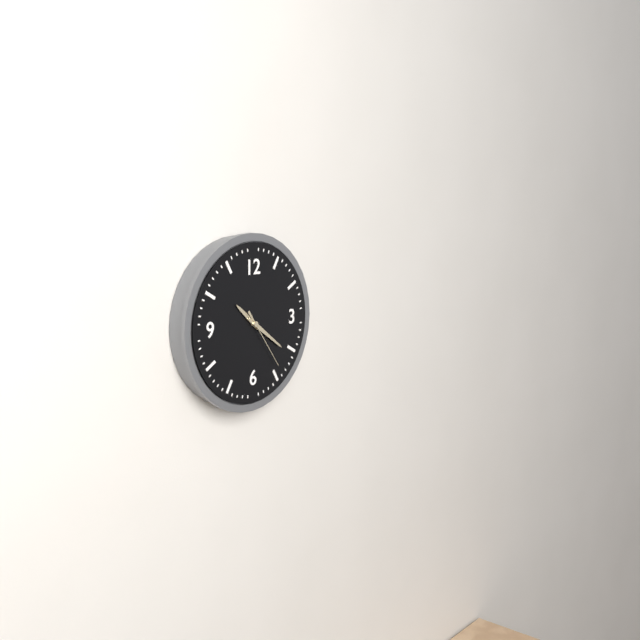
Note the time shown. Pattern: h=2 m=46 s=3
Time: h=10 m=21 s=24
